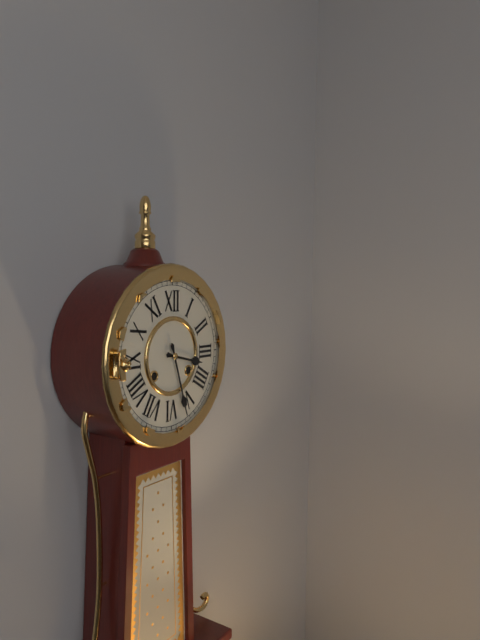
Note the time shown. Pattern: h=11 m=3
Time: h=3 m=27
